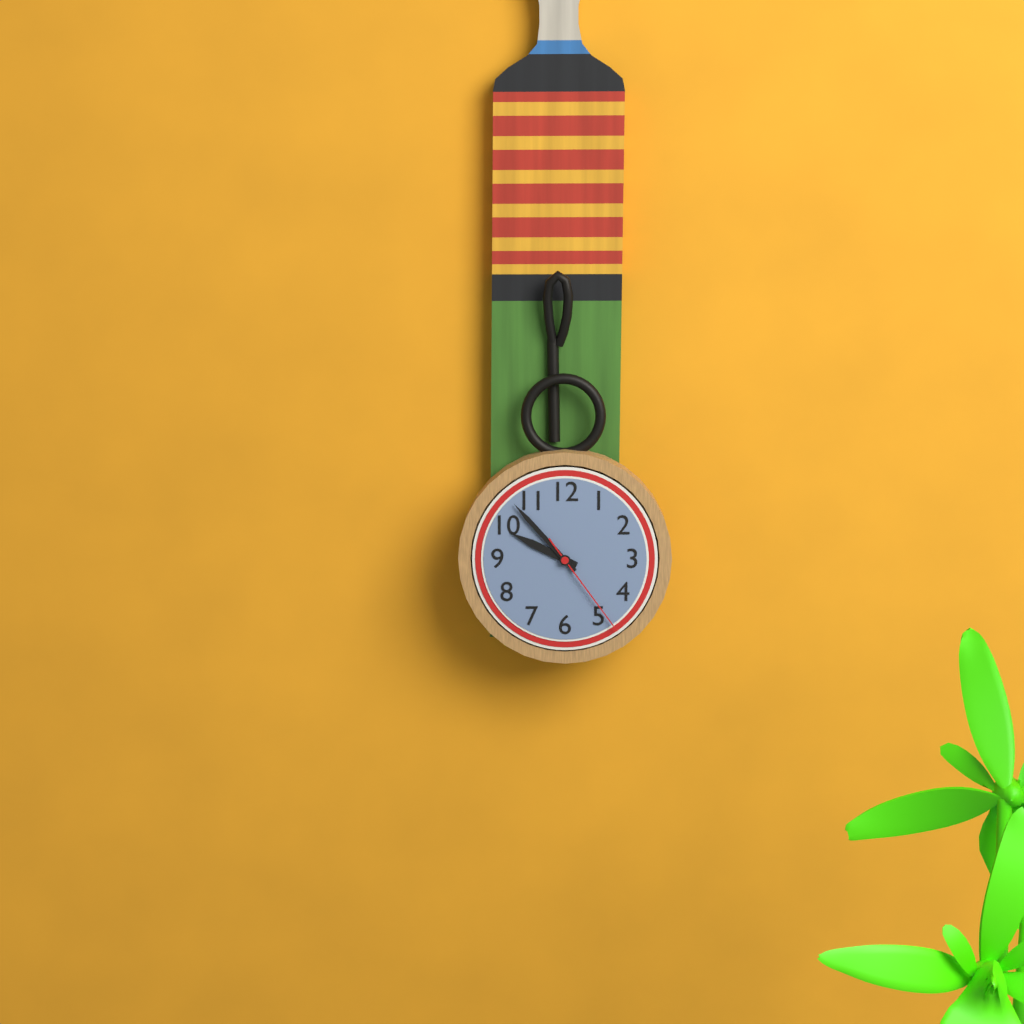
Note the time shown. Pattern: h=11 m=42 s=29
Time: h=9 m=53 s=24
